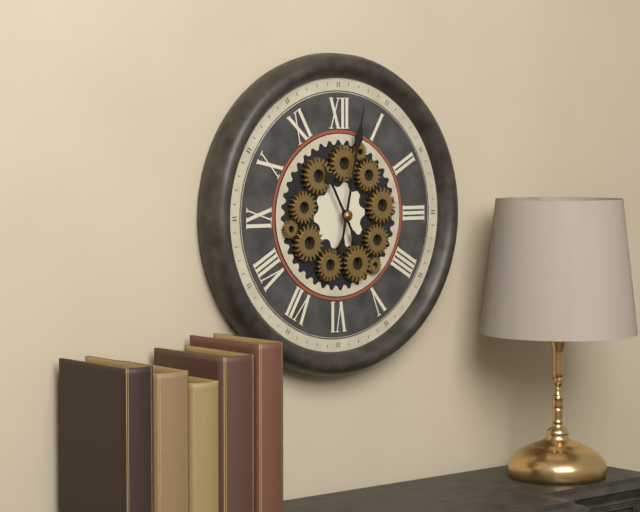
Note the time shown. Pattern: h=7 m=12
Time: h=11 m=2
